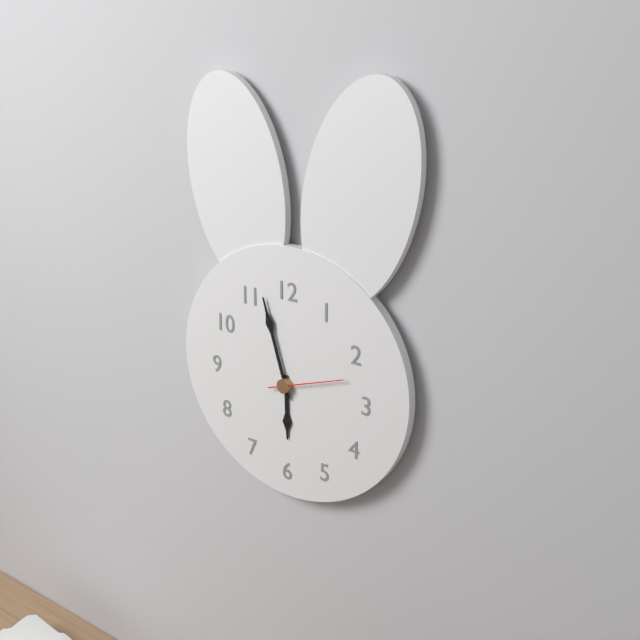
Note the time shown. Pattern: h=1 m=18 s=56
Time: h=5 m=57 s=12
